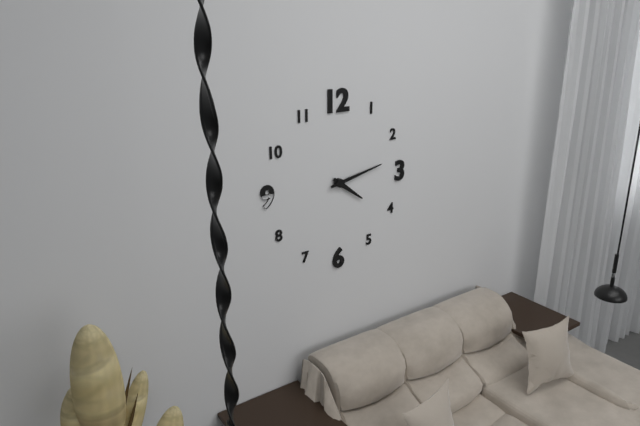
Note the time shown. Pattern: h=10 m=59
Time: h=4 m=13
